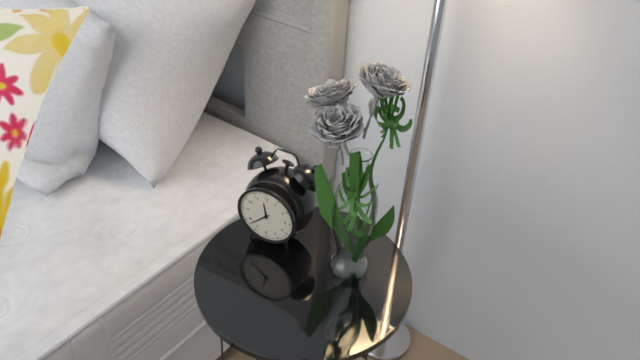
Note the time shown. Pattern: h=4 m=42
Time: h=11 m=38
